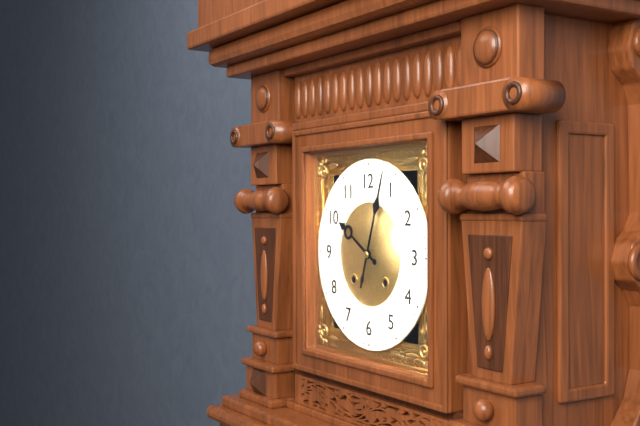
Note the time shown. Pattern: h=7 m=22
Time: h=10 m=3
